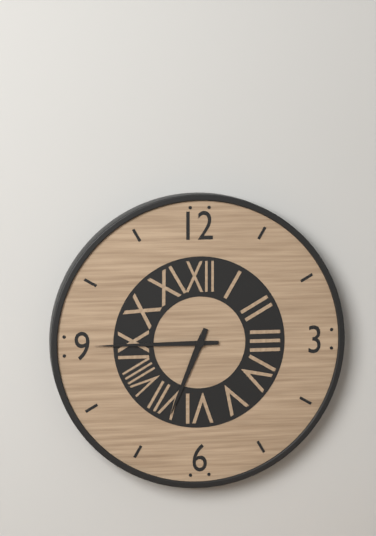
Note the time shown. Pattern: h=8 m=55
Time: h=6 m=45
